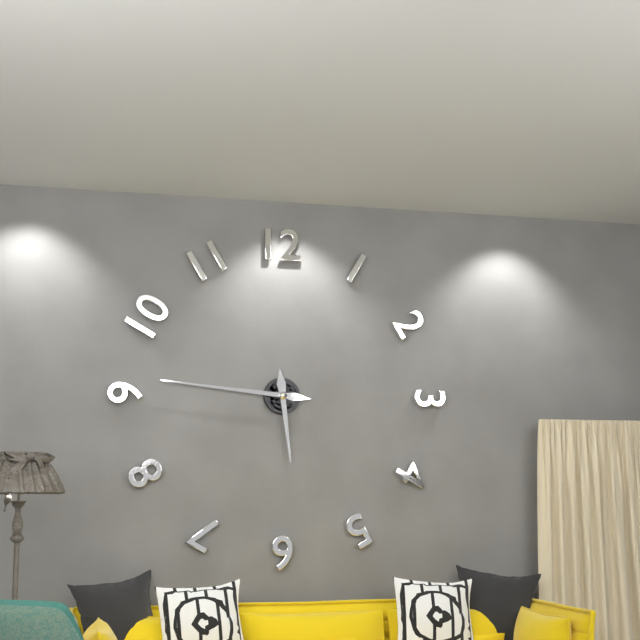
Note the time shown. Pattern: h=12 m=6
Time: h=5 m=46
